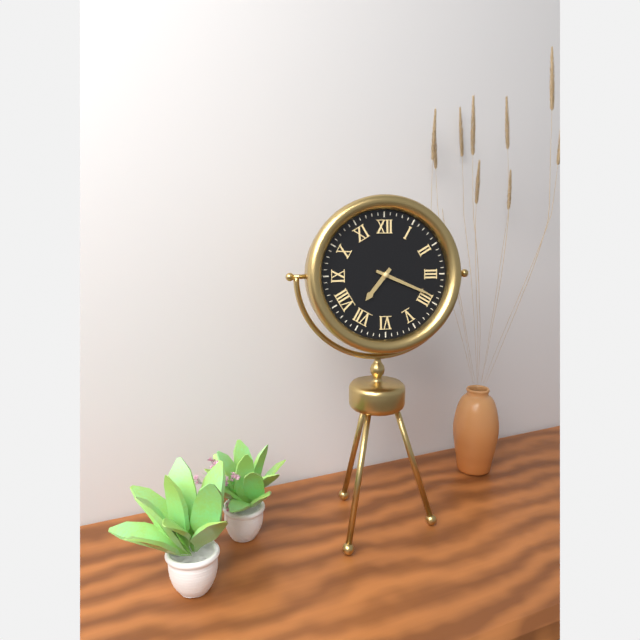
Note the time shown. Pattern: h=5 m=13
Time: h=7 m=19
